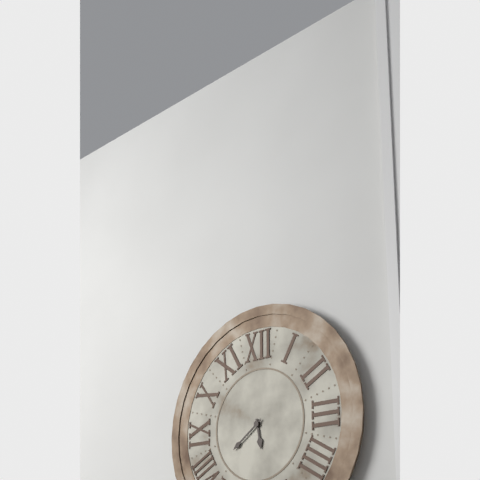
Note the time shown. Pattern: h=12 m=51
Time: h=5 m=39
